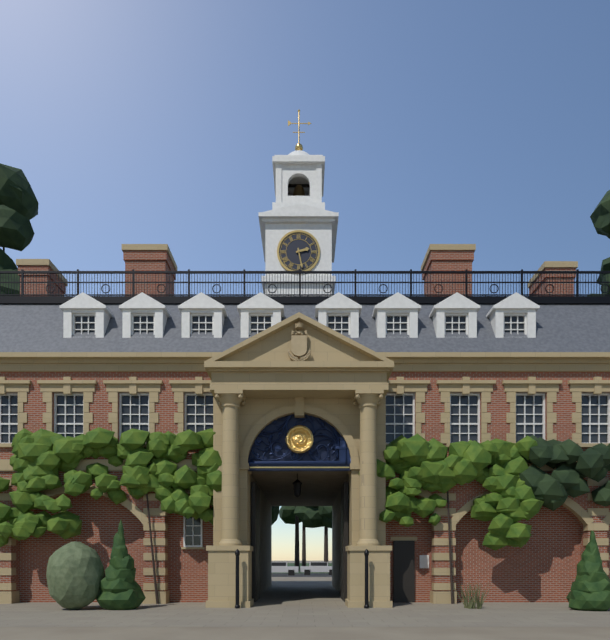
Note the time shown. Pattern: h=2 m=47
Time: h=2 m=28
